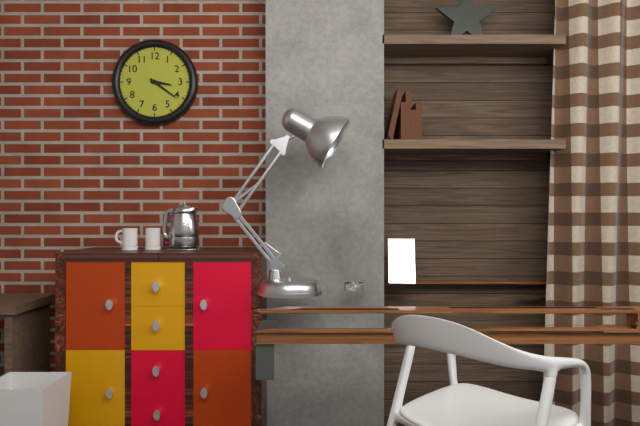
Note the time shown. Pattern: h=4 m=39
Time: h=3 m=21
